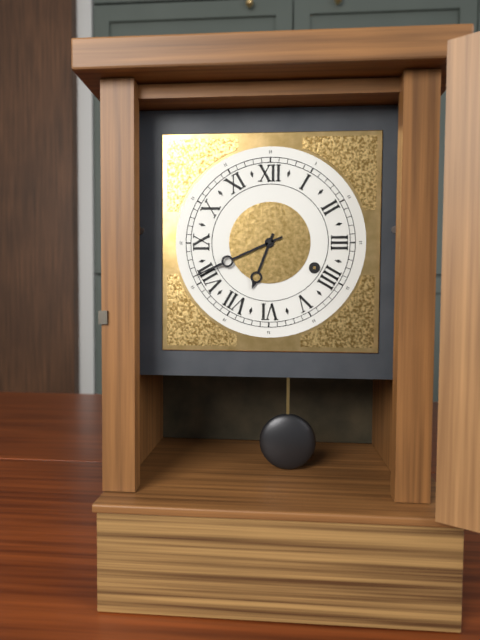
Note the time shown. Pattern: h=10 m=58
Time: h=6 m=41
